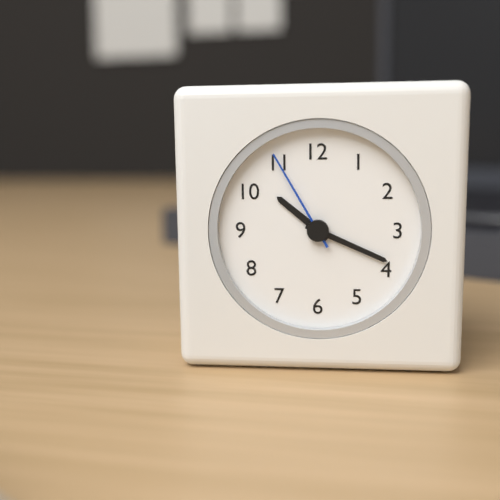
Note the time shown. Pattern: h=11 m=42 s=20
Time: h=10 m=19 s=55
